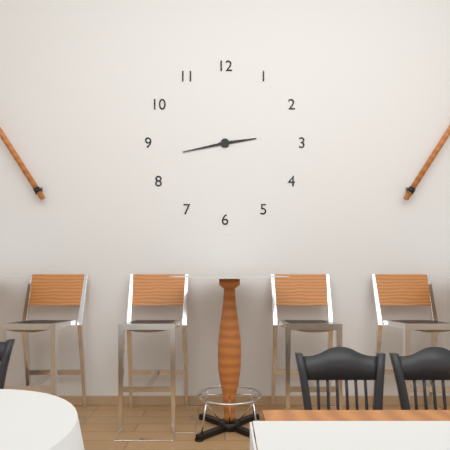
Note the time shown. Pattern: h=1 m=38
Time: h=2 m=43
